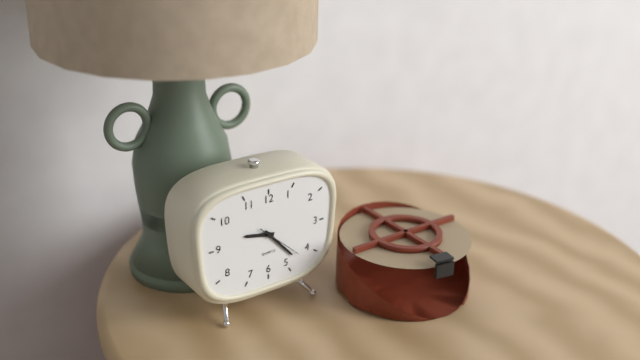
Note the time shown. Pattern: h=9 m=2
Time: h=9 m=23
